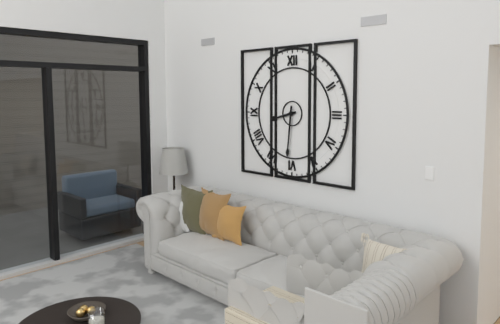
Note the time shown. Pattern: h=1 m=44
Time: h=8 m=31
